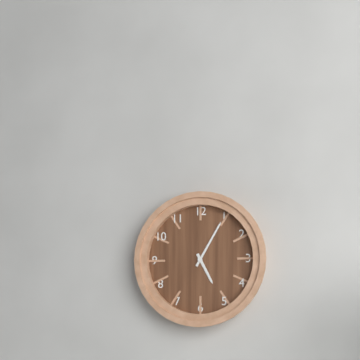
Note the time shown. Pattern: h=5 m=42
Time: h=5 m=5
